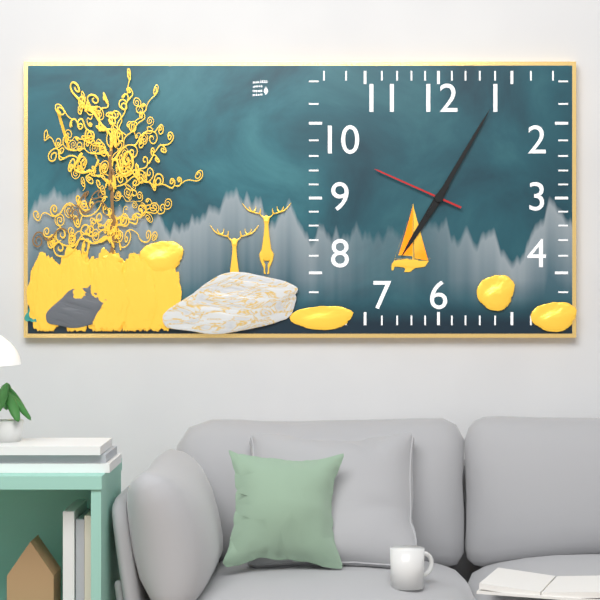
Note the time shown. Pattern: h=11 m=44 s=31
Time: h=7 m=5 s=49
